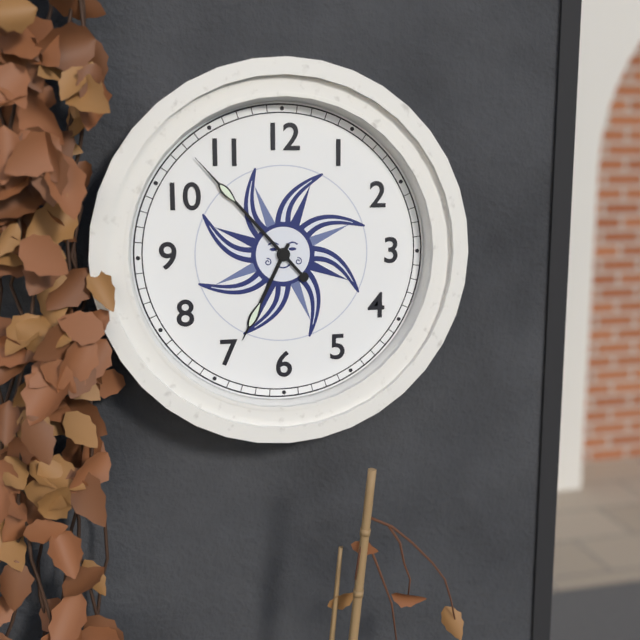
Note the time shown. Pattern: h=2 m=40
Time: h=6 m=53
